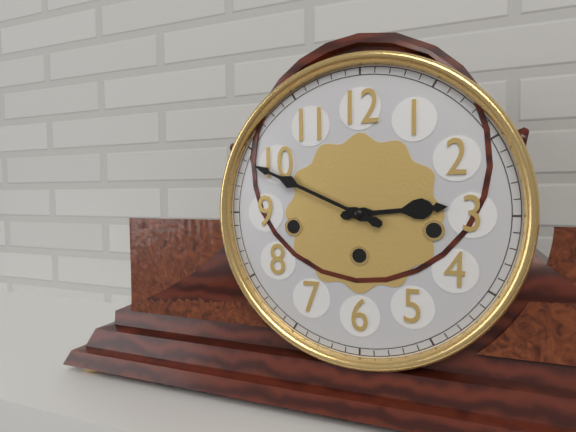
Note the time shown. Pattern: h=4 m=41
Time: h=2 m=49
